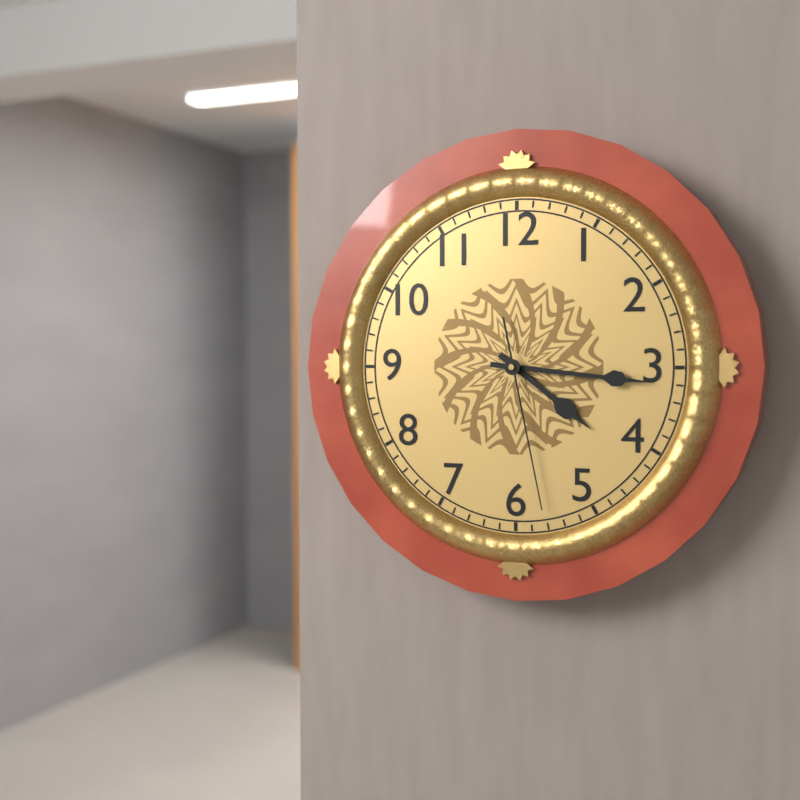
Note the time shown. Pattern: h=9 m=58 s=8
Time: h=4 m=16 s=28
